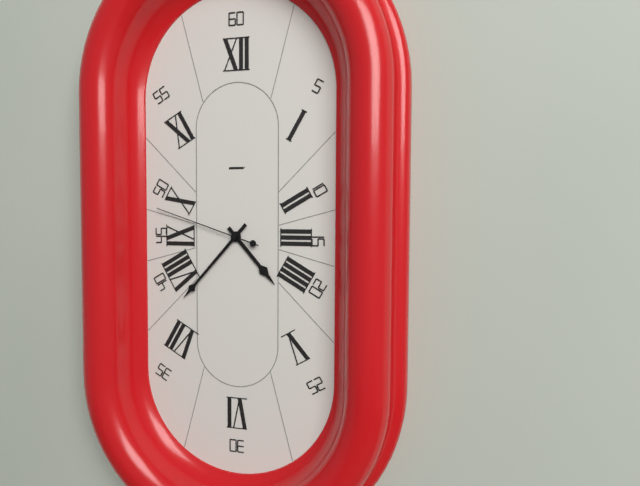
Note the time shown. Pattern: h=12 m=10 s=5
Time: h=4 m=37 s=48
